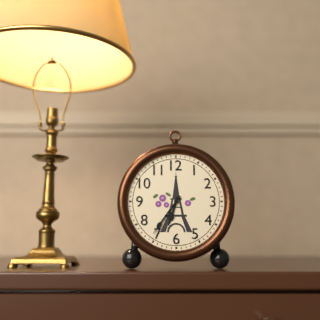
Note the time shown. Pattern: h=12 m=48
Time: h=6 m=36
